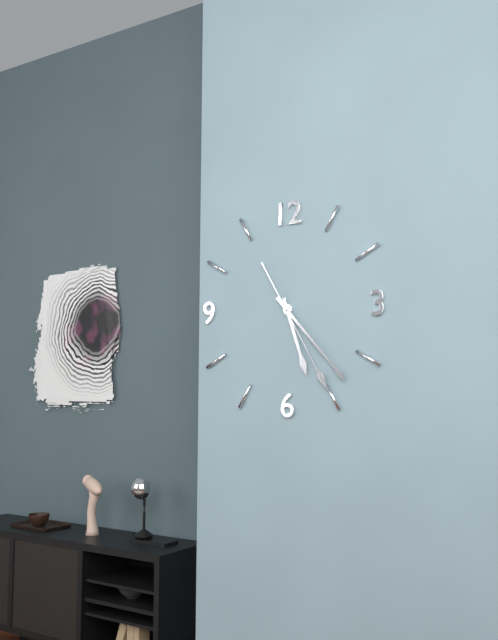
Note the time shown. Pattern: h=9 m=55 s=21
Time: h=5 m=23 s=25
